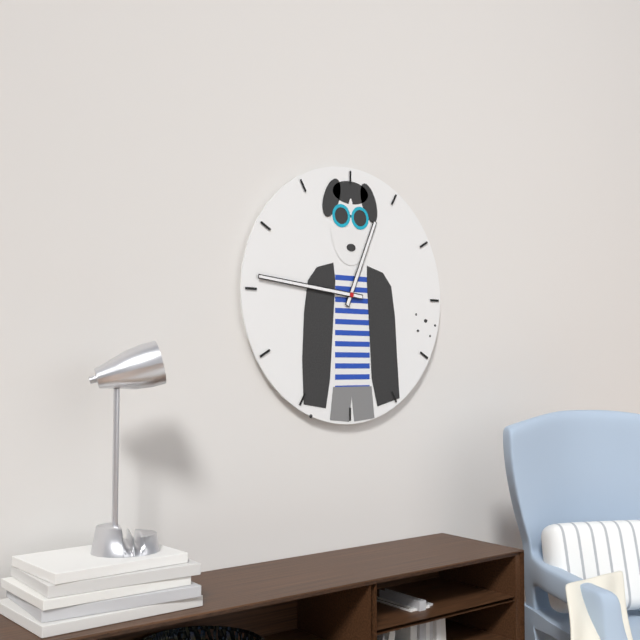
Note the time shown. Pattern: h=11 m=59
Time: h=12 m=46
